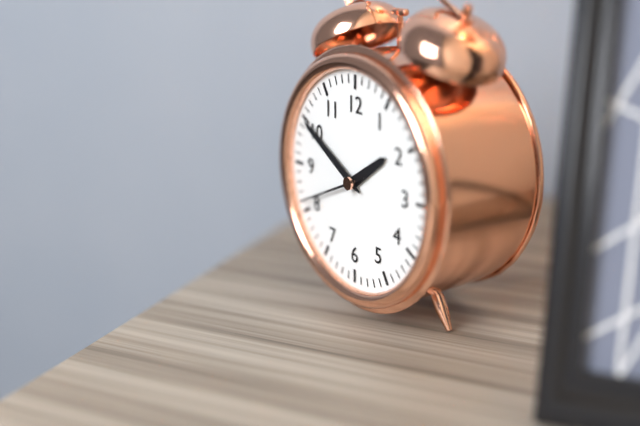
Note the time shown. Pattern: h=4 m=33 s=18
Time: h=1 m=50 s=41
